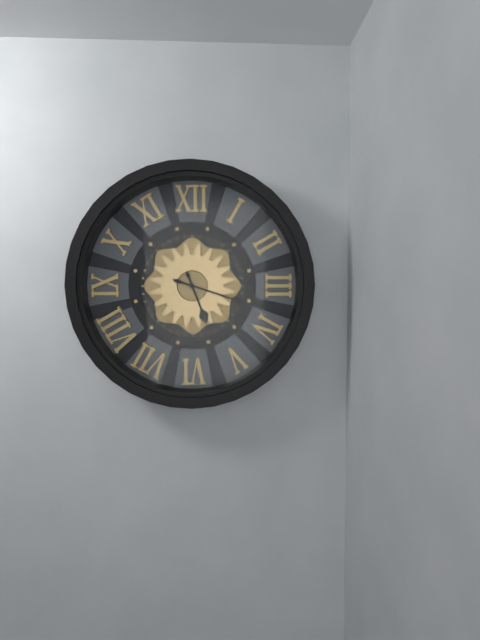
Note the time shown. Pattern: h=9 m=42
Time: h=5 m=18
